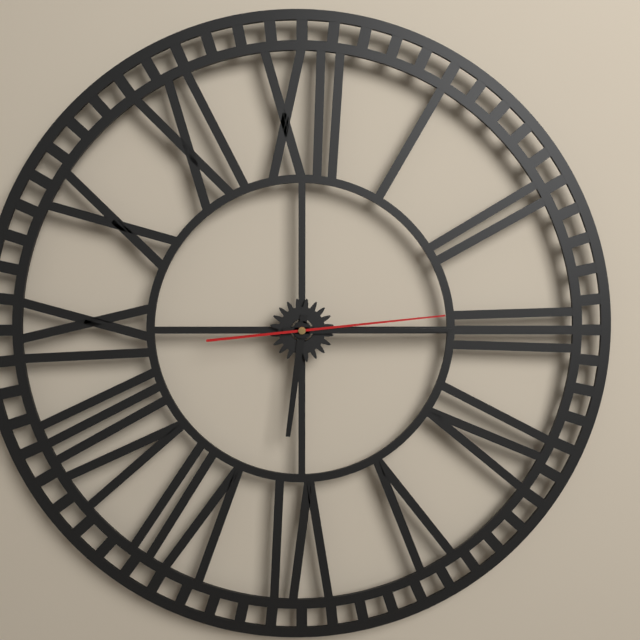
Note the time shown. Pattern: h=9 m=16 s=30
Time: h=6 m=15 s=14
